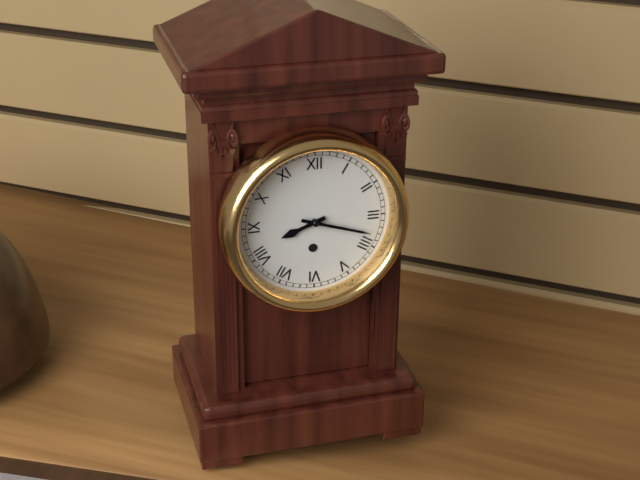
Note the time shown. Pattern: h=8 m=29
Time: h=8 m=18
